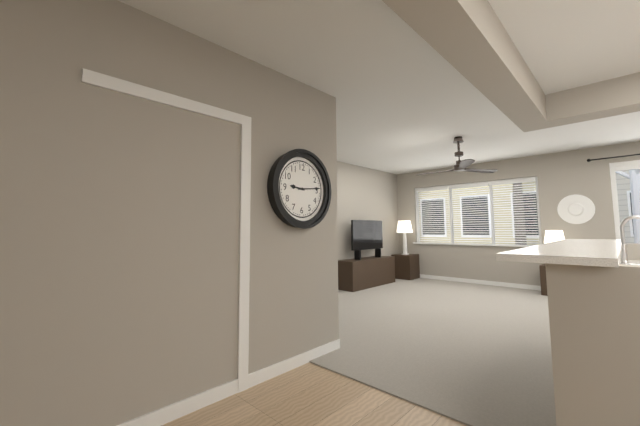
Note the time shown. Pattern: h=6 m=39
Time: h=9 m=14
